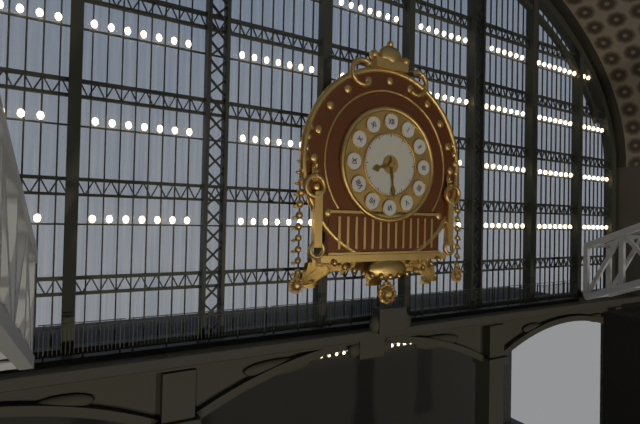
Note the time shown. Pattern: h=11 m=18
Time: h=8 m=29
